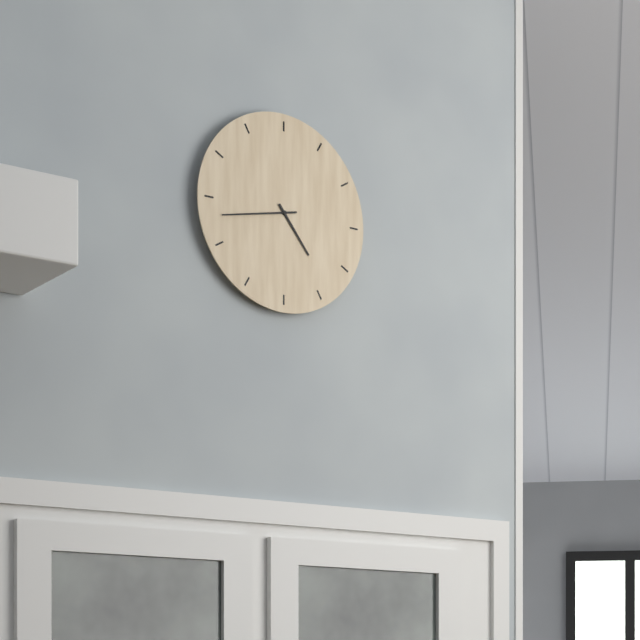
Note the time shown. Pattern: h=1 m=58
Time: h=4 m=43
